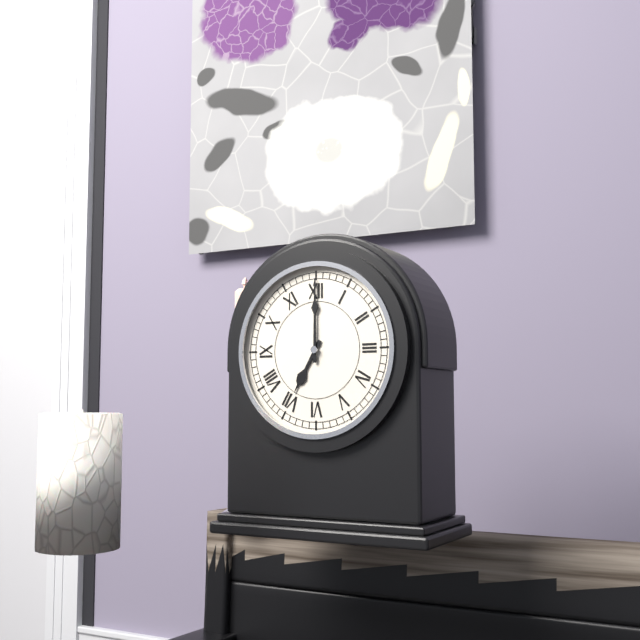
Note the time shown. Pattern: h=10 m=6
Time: h=7 m=0
